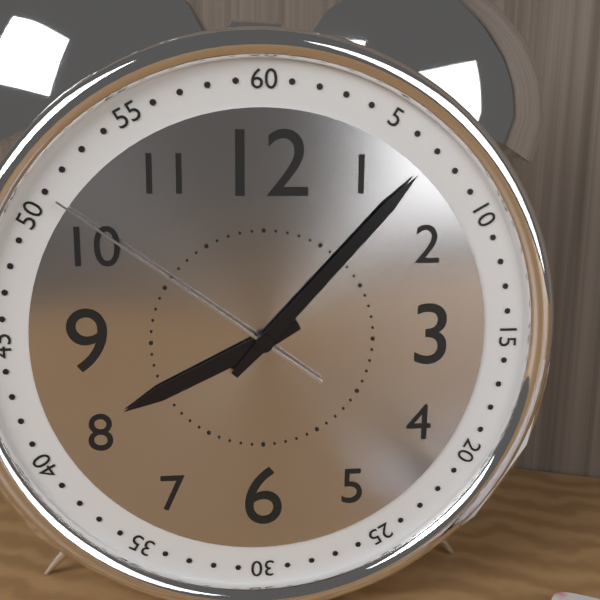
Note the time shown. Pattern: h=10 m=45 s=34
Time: h=8 m=7 s=51
